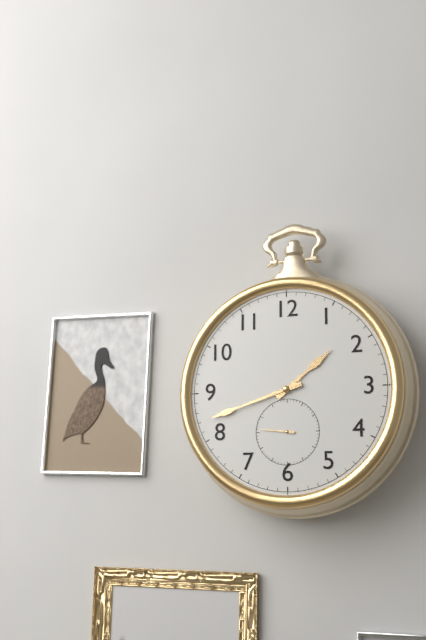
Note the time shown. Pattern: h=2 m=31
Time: h=1 m=42
